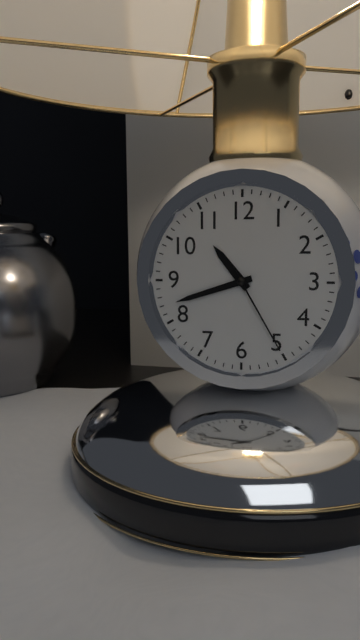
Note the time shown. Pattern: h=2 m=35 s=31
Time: h=10 m=42 s=25
